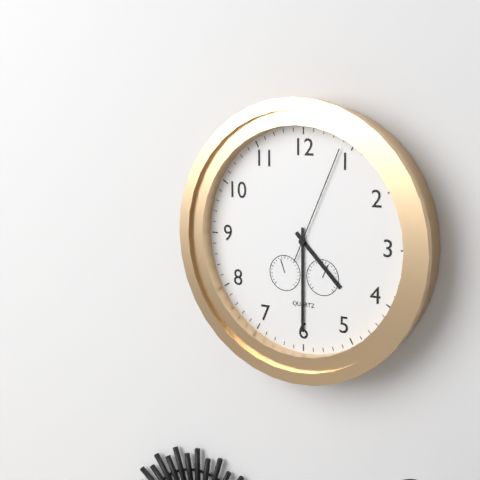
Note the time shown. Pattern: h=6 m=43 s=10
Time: h=4 m=30 s=4
